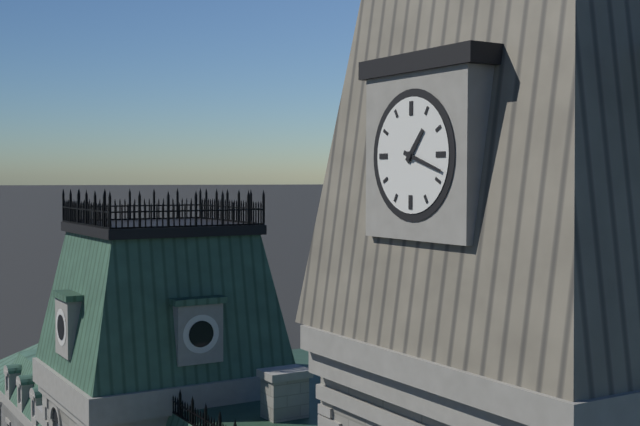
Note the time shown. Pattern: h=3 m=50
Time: h=1 m=18
